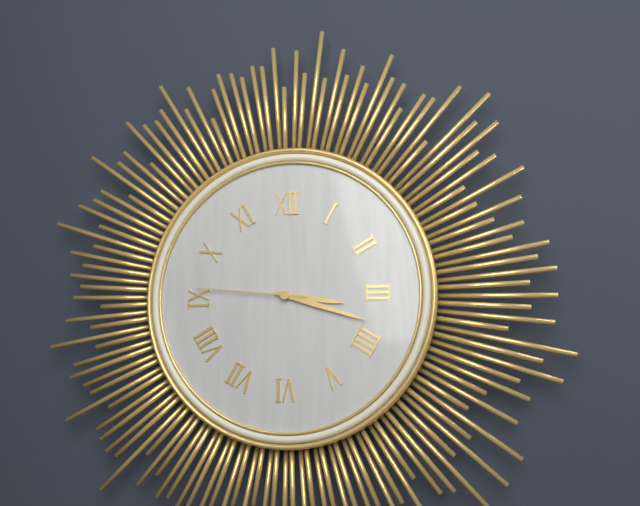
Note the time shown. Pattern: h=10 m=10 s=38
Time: h=3 m=18 s=46
